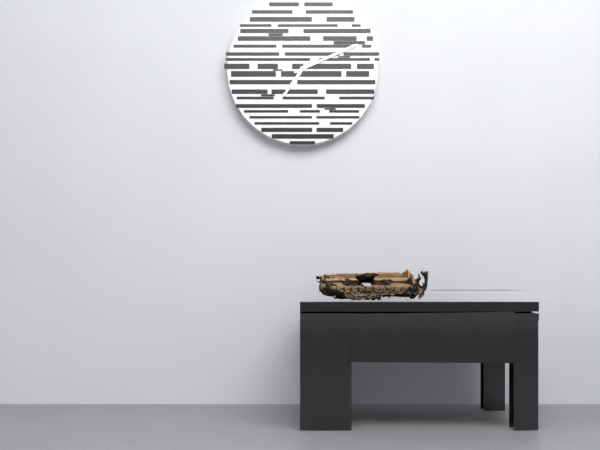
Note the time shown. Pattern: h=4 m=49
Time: h=7 m=11
